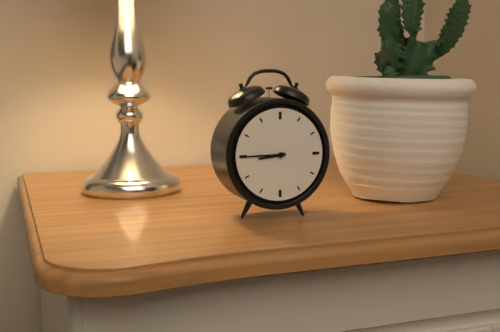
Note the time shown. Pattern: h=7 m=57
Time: h=8 m=45
